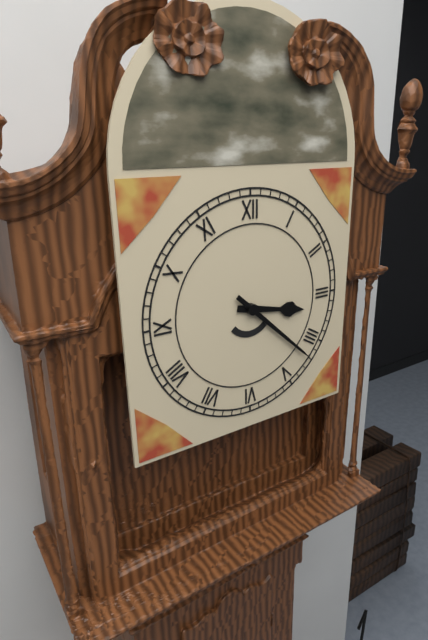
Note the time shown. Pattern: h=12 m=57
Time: h=3 m=22
